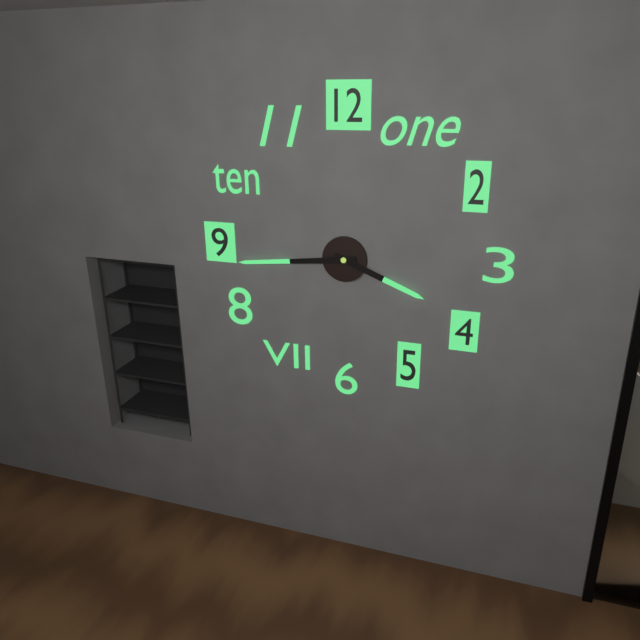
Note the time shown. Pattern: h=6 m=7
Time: h=3 m=44
